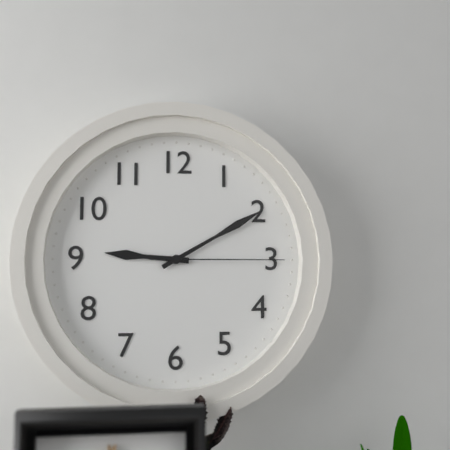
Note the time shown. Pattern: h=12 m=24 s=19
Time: h=9 m=10 s=15
